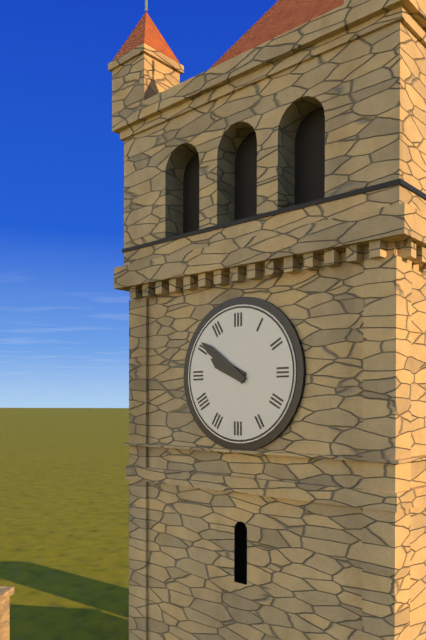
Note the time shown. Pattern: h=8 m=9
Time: h=9 m=51
